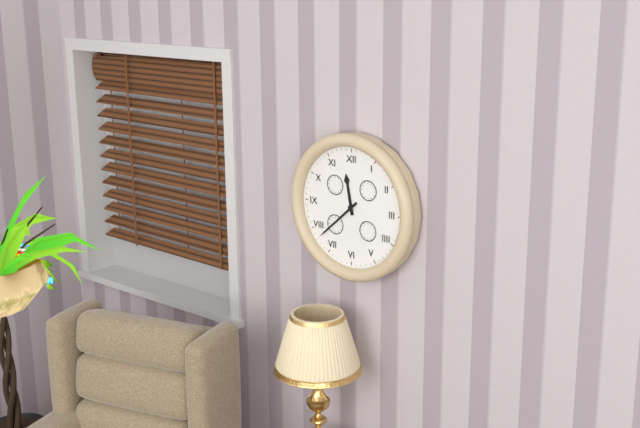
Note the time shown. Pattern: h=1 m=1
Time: h=11 m=38
